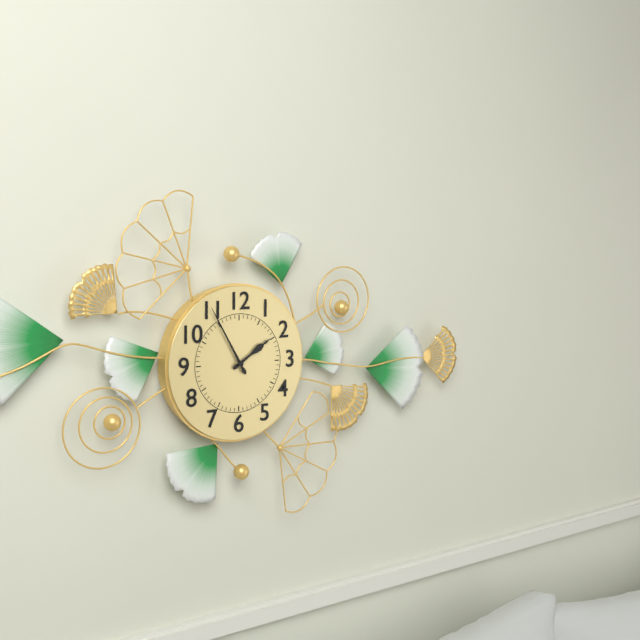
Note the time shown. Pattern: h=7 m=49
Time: h=1 m=55
